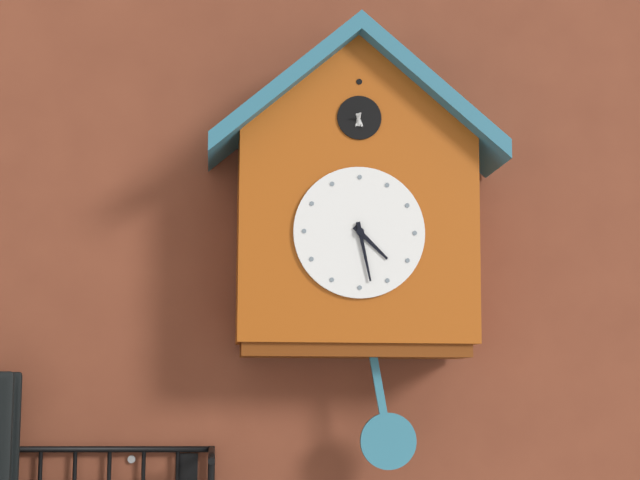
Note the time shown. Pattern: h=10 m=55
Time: h=4 m=28
